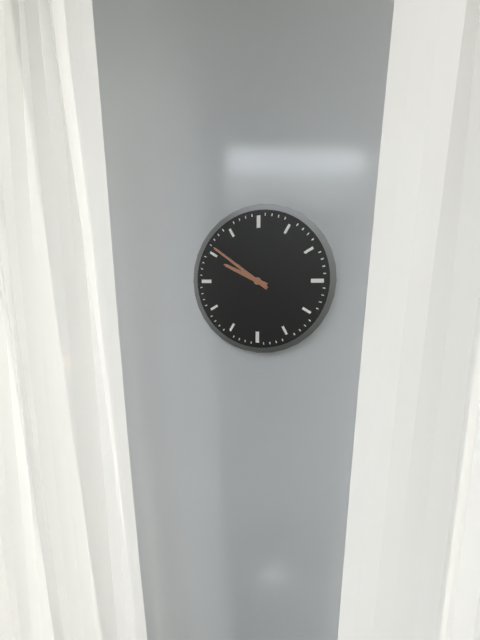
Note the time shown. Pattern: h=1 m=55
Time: h=9 m=51
